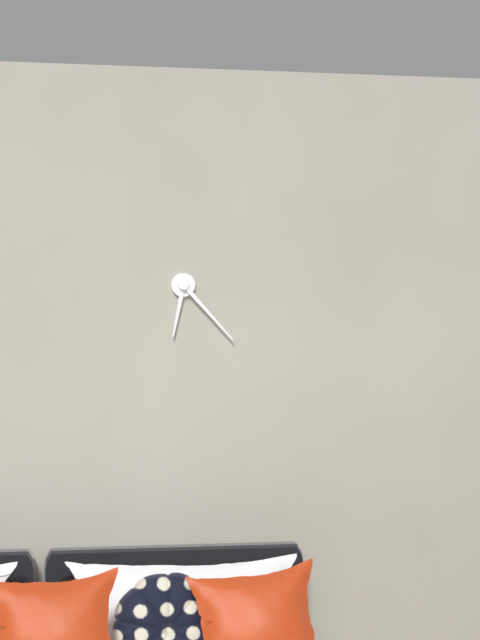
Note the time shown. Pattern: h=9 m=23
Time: h=6 m=23
